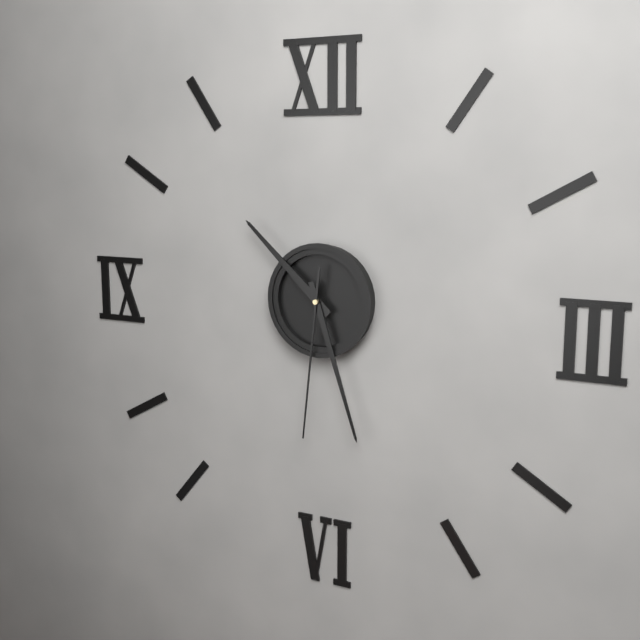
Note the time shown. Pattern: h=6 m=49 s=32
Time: h=10 m=27 s=31
